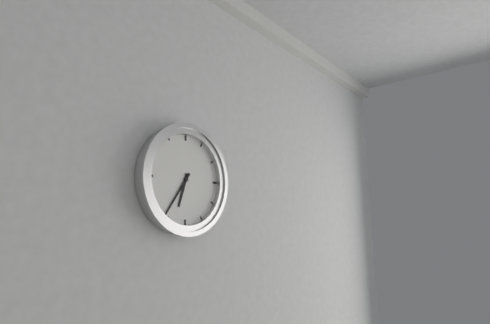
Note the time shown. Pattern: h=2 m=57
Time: h=6 m=36
